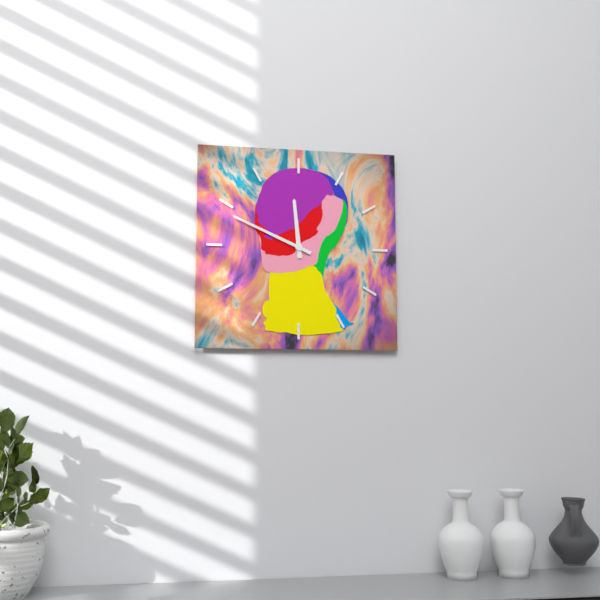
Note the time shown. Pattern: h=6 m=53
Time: h=11 m=49
